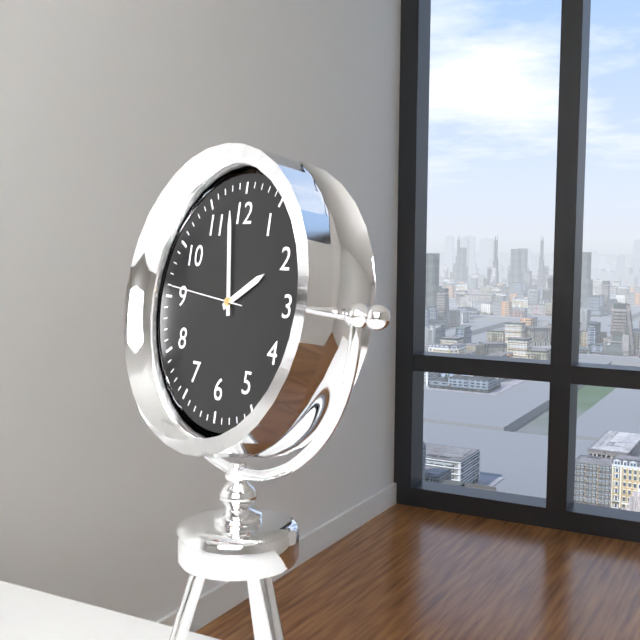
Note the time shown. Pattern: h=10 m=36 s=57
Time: h=1 m=58 s=46
